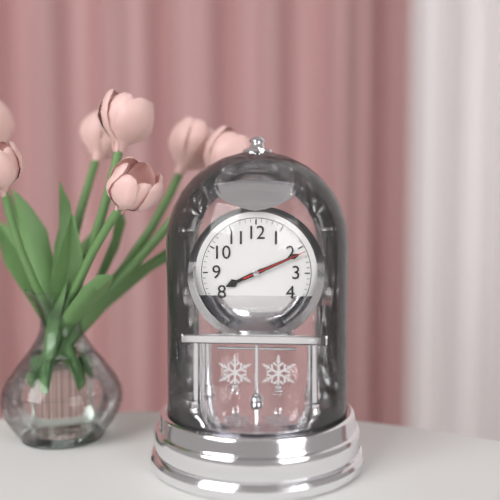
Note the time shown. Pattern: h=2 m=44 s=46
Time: h=8 m=11 s=11
